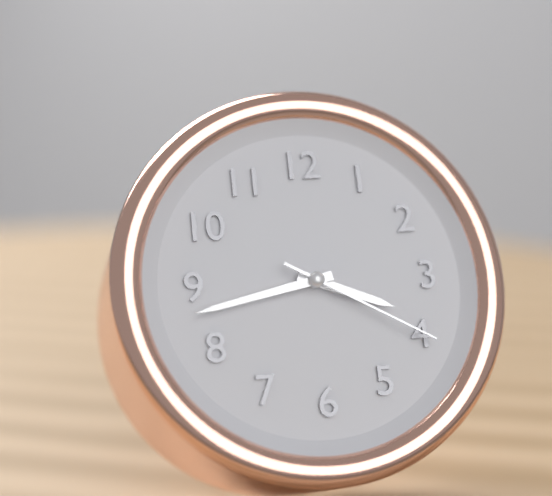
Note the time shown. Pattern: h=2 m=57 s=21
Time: h=3 m=43 s=20
